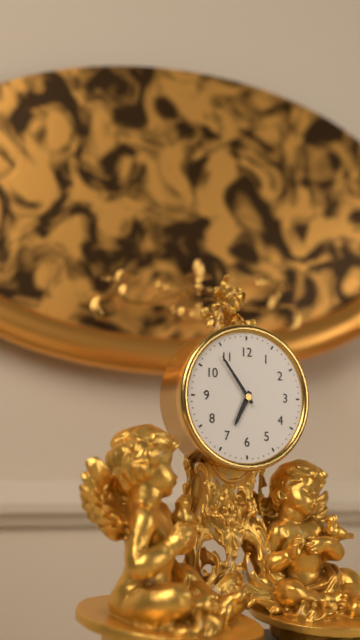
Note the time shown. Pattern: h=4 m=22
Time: h=6 m=54
